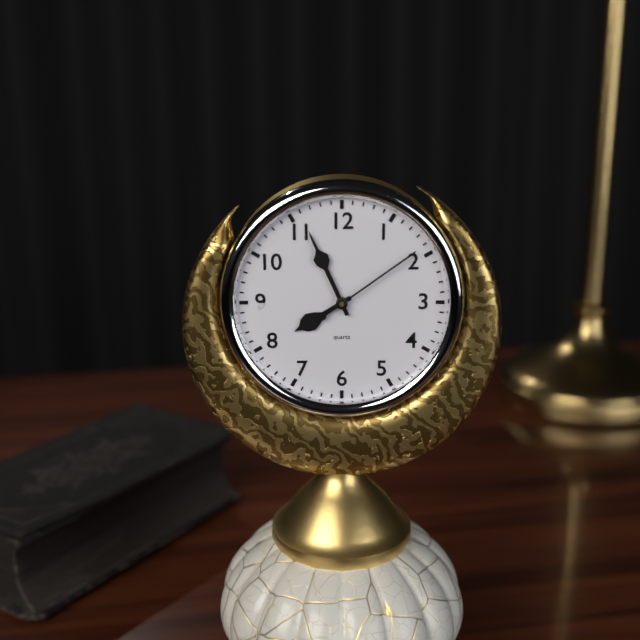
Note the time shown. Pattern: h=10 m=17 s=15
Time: h=7 m=56 s=9
